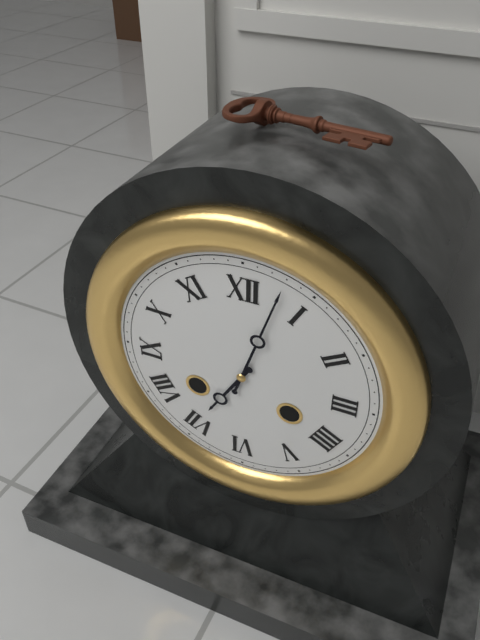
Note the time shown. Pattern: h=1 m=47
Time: h=7 m=3
